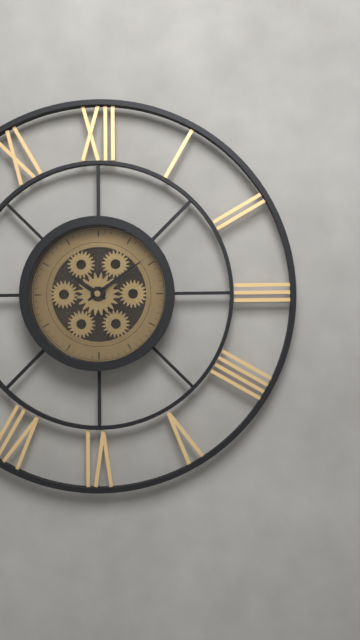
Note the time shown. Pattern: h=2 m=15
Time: h=10 m=9
